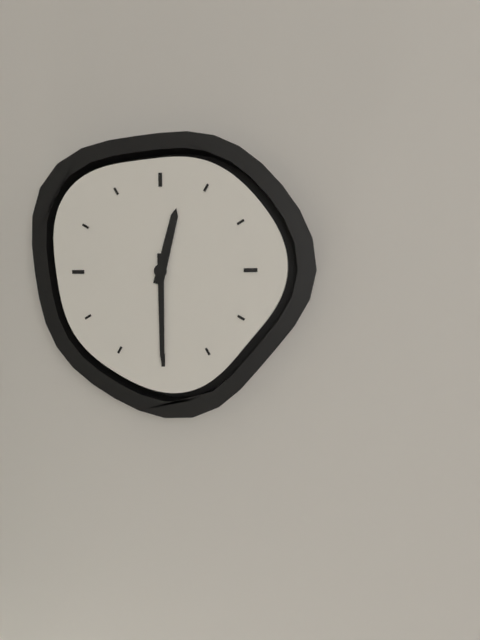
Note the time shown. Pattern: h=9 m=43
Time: h=12 m=30
